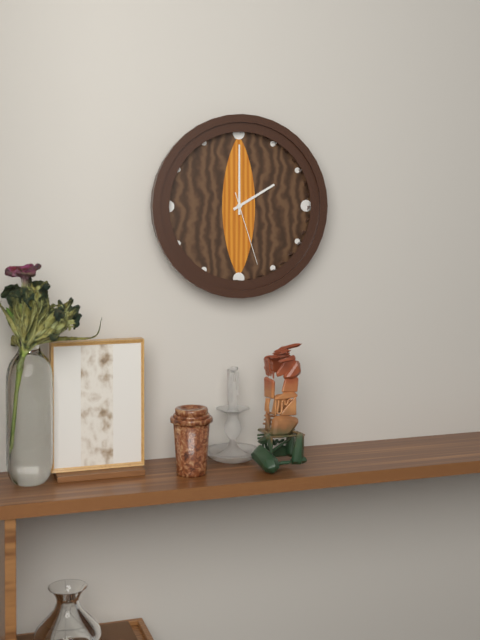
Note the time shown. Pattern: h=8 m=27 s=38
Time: h=2 m=0 s=27
